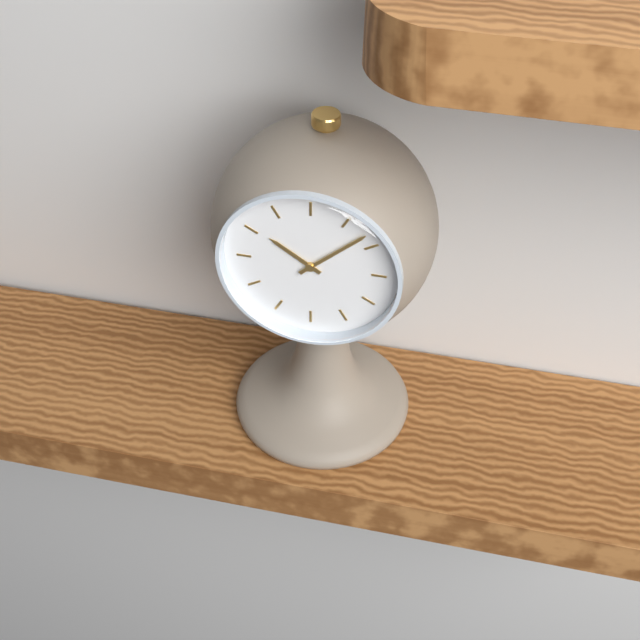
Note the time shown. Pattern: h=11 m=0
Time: h=10 m=8
